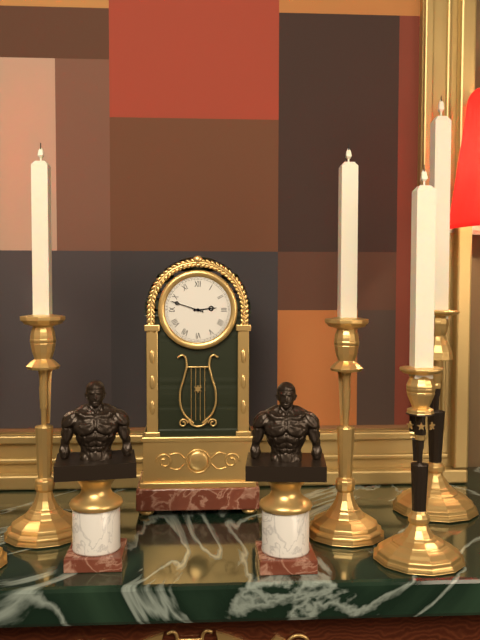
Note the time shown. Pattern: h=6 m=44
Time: h=2 m=48
